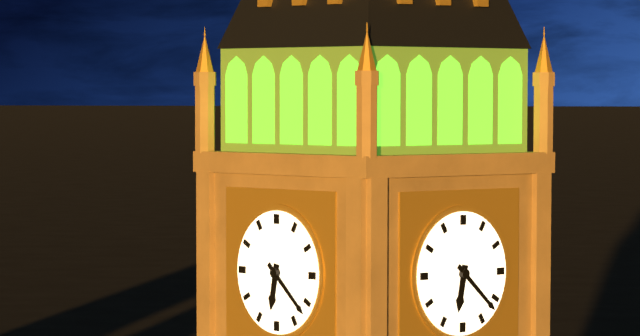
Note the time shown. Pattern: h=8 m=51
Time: h=6 m=22
